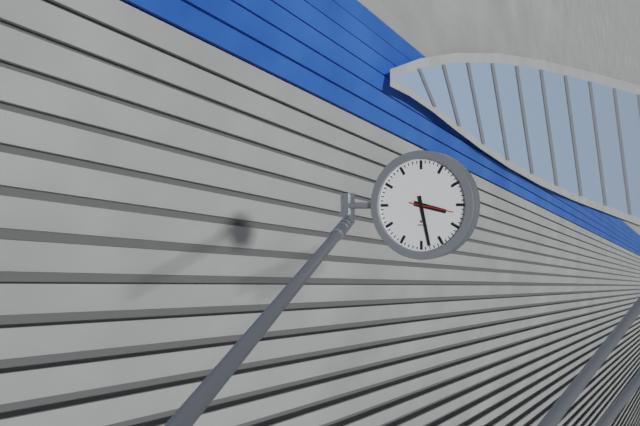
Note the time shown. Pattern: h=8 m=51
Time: h=3 m=28
